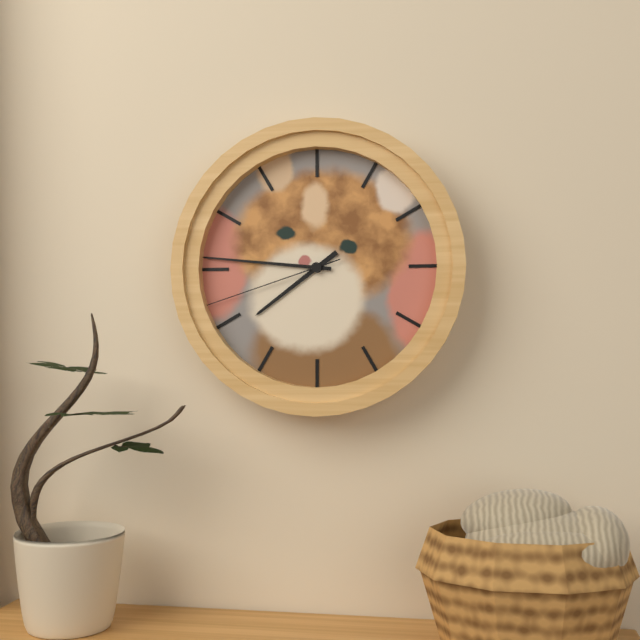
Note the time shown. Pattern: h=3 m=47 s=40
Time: h=7 m=46 s=42
